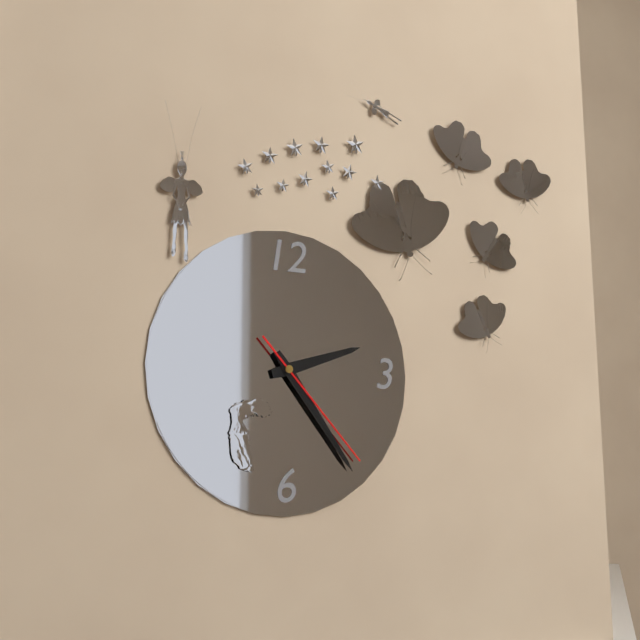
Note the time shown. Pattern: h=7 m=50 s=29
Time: h=2 m=24 s=23
